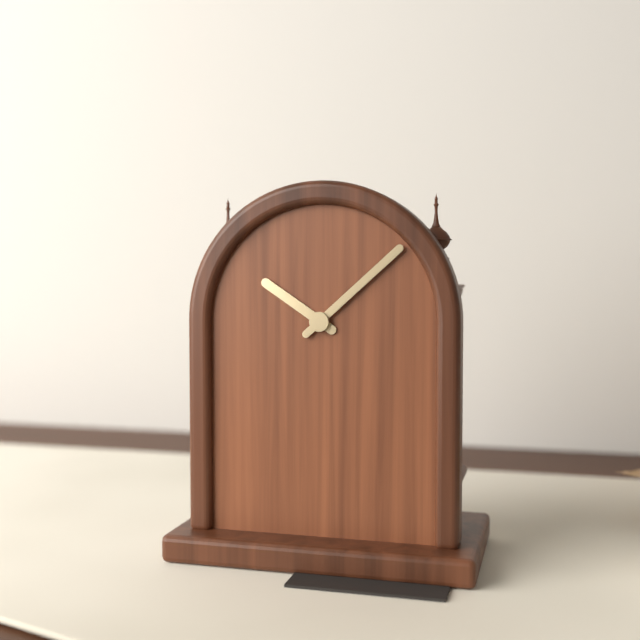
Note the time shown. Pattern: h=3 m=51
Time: h=10 m=8
